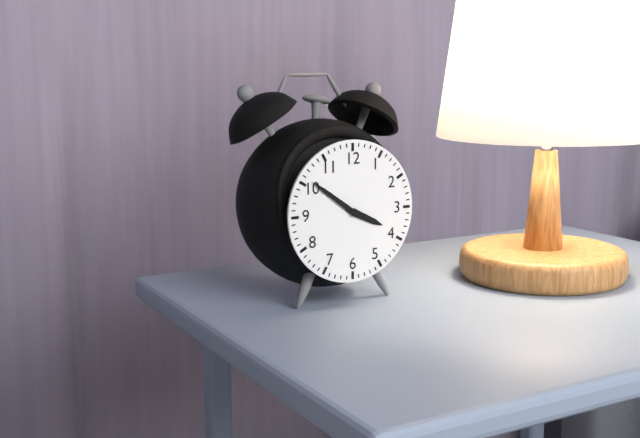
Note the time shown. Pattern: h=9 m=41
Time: h=3 m=51
